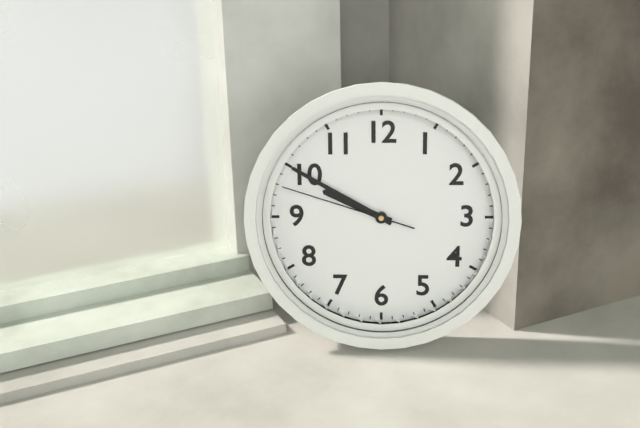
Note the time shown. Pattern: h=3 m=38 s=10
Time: h=9 m=50 s=48
